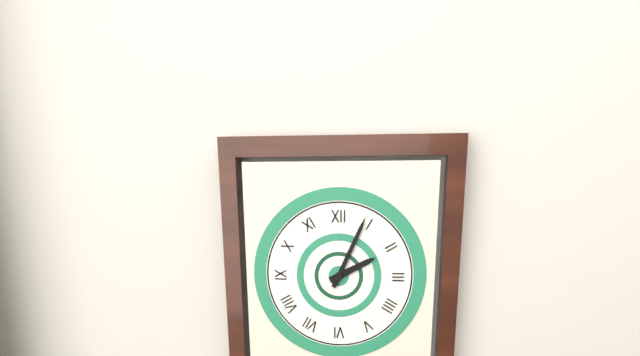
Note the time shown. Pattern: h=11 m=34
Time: h=2 m=4
